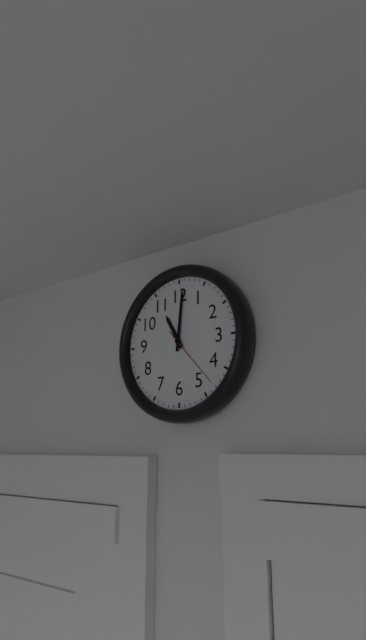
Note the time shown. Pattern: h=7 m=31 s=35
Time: h=11 m=1 s=23
